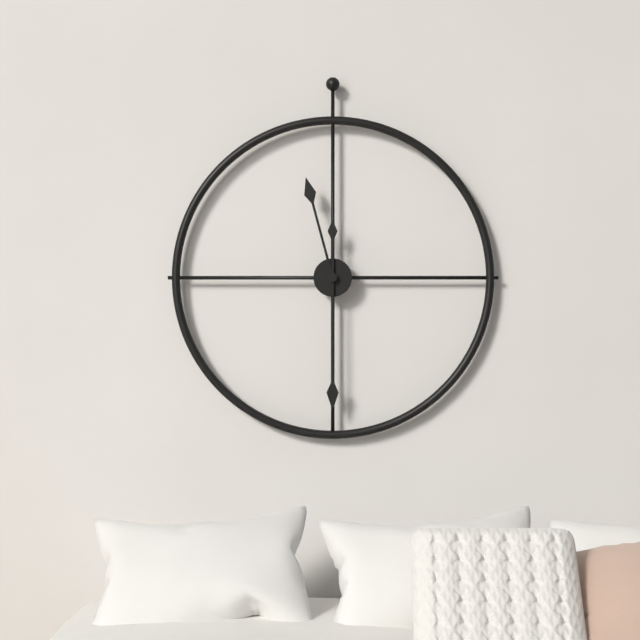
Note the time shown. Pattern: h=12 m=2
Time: h=11 m=30
